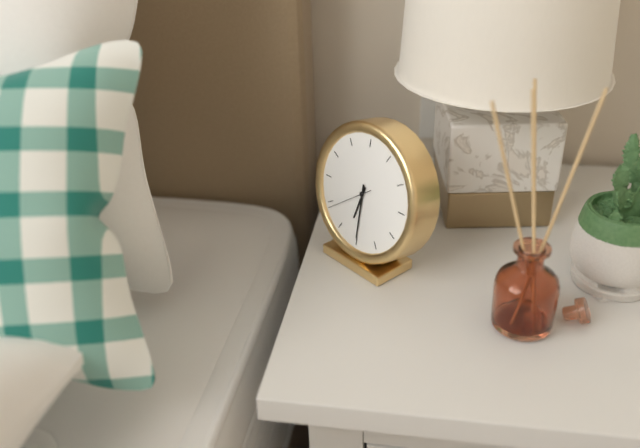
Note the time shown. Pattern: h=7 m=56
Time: h=6 m=30
